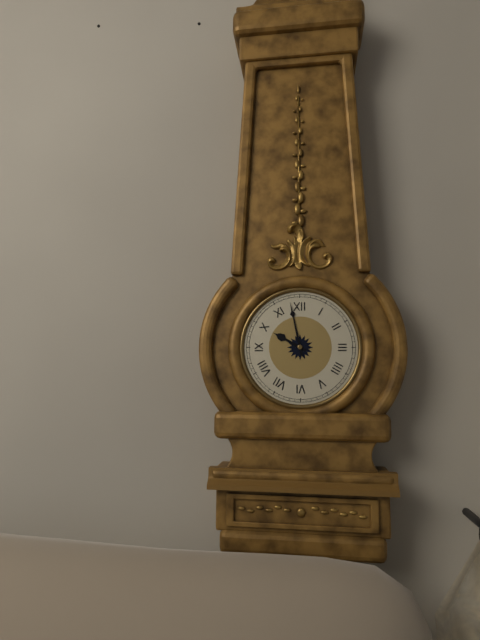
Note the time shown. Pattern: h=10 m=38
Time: h=9 m=58
